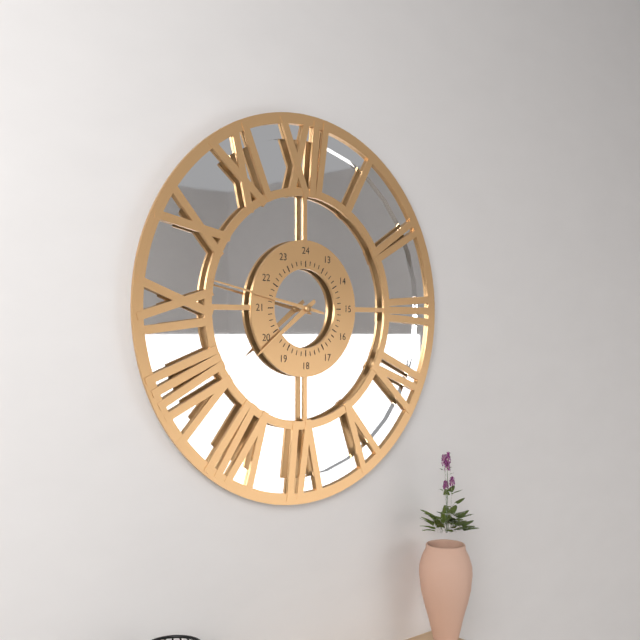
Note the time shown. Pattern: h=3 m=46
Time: h=7 m=47
